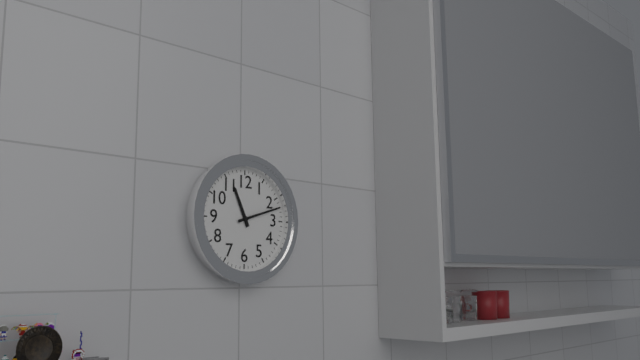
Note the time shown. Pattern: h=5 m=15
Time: h=11 m=12
